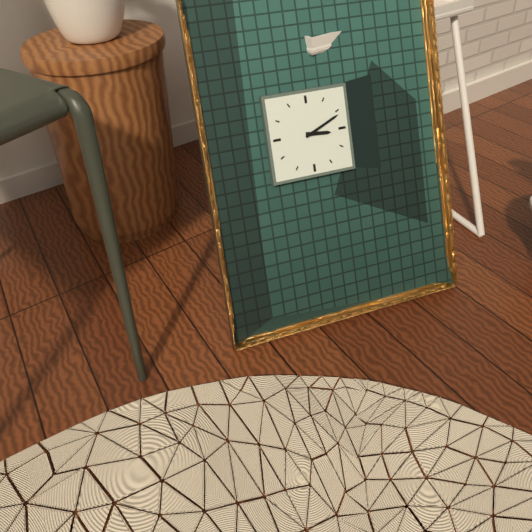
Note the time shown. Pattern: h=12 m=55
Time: h=3 m=11
